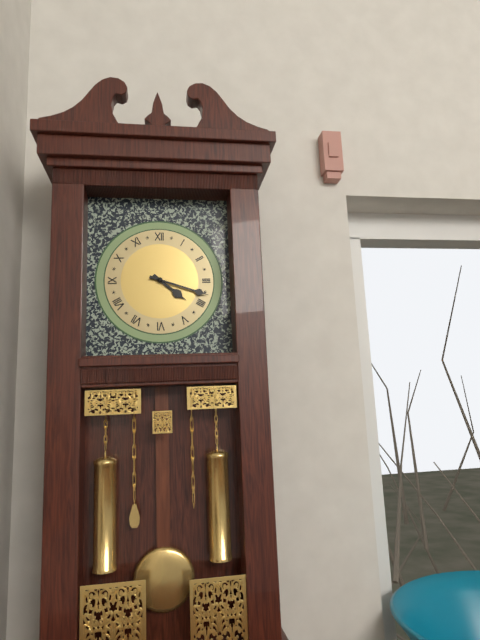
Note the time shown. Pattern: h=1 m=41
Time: h=4 m=18
